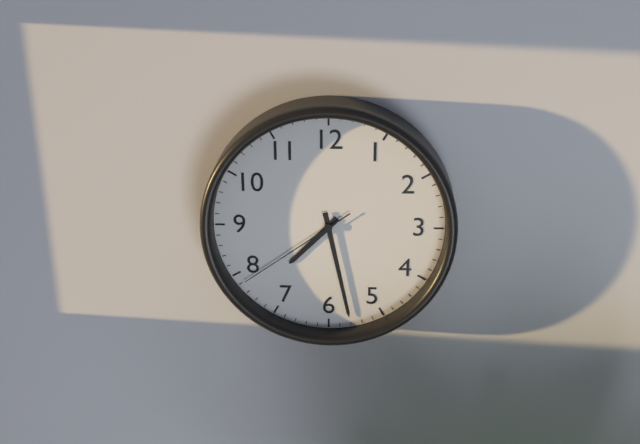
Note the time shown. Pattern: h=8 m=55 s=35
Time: h=7 m=28 s=39
